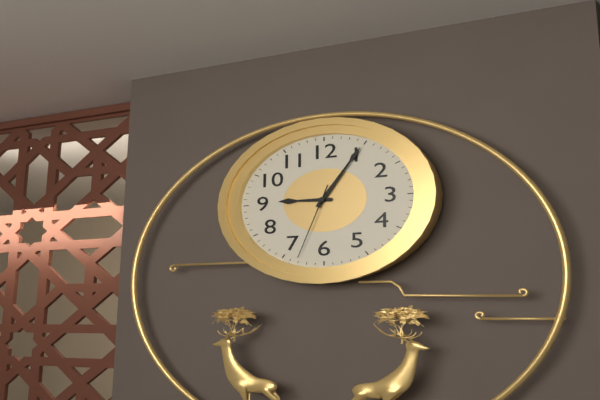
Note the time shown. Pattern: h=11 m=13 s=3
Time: h=9 m=5 s=33
